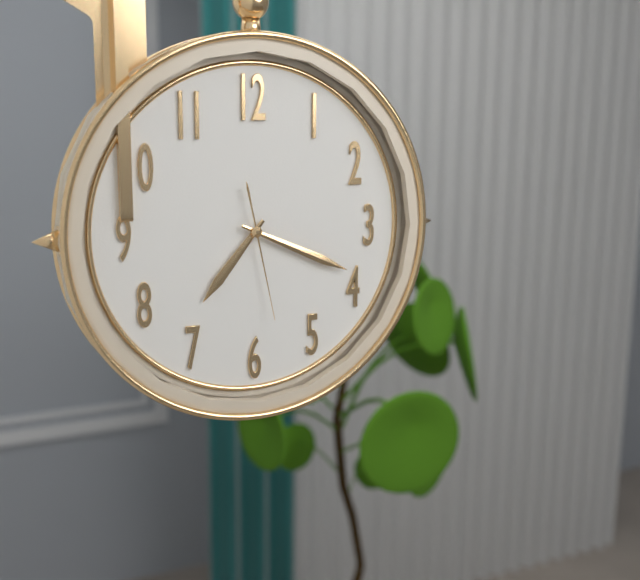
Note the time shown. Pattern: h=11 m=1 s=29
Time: h=7 m=19 s=28
